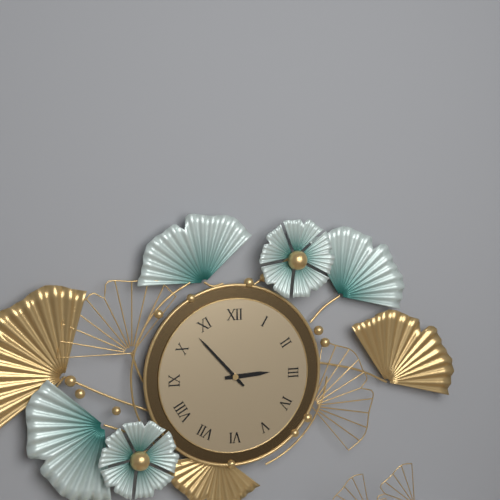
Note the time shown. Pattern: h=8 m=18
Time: h=2 m=53
